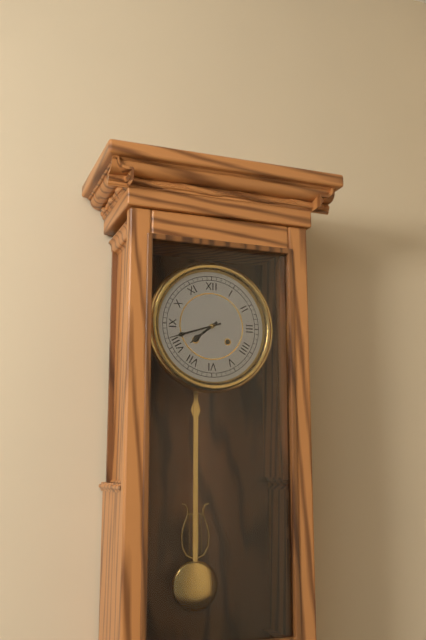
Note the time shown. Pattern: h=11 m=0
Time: h=7 m=42
